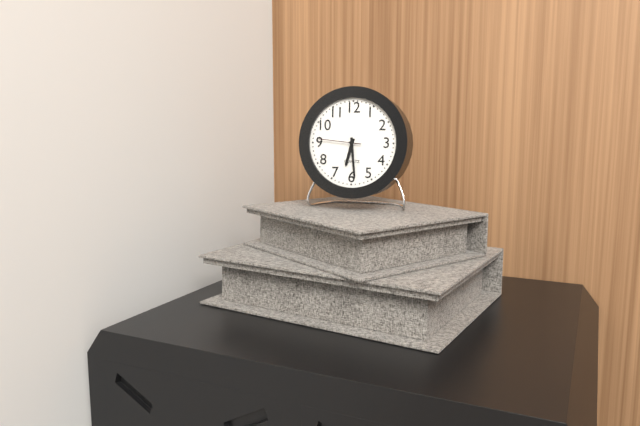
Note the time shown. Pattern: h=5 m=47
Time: h=6 m=29
